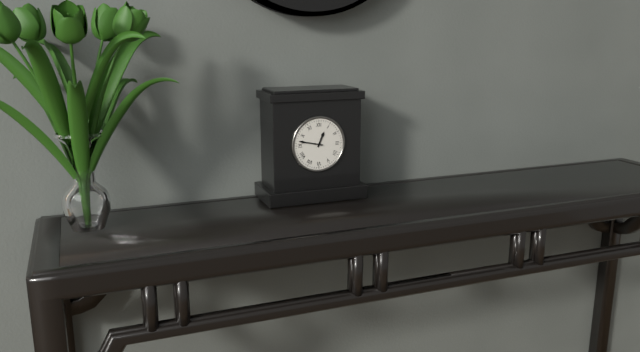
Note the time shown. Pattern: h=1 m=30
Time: h=12 m=47
